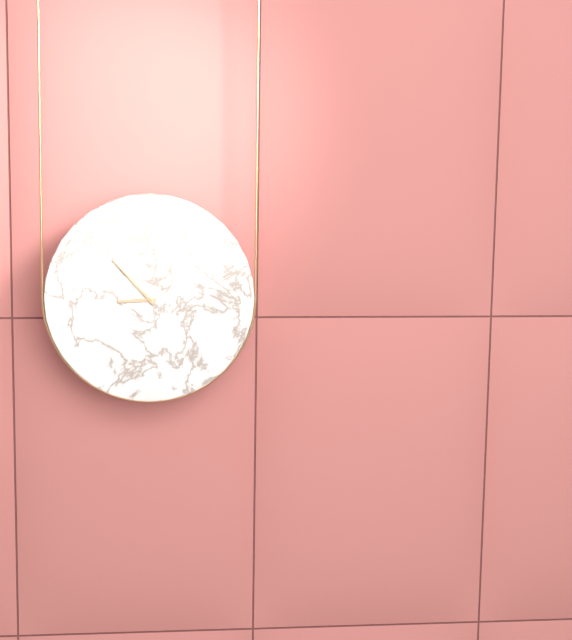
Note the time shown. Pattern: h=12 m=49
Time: h=8 m=53
